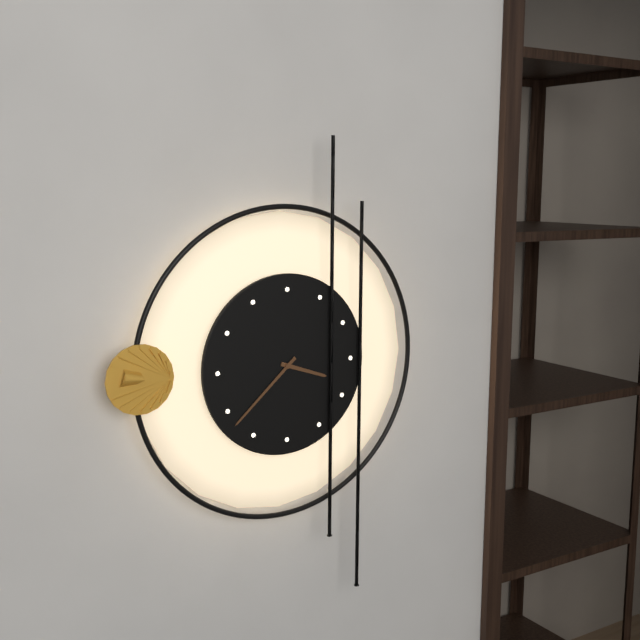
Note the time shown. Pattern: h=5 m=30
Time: h=3 m=38
